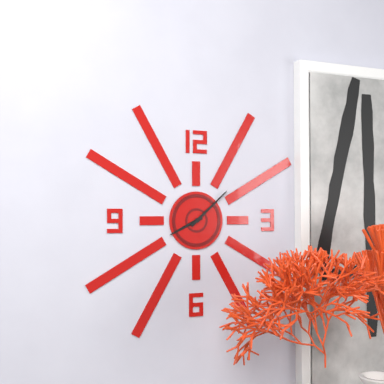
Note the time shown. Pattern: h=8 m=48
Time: h=8 m=8
